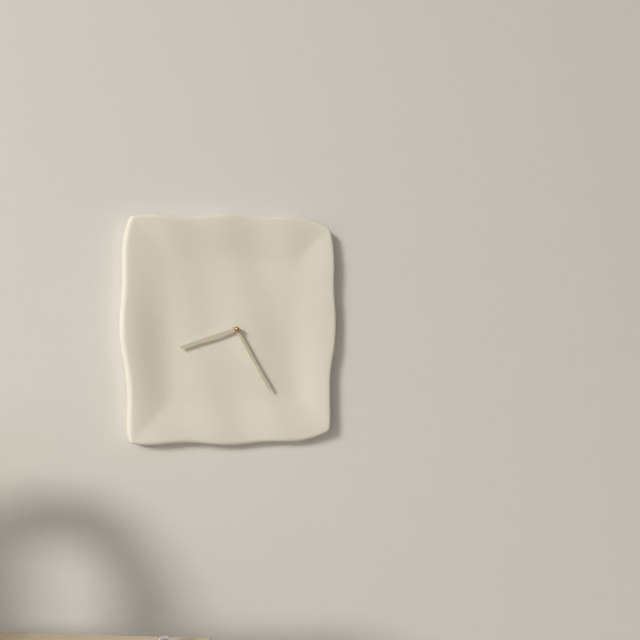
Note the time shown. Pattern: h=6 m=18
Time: h=8 m=25
